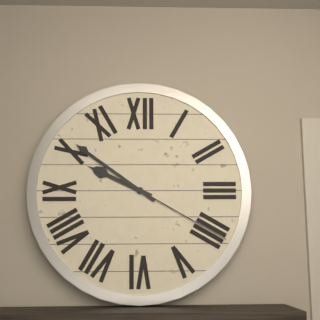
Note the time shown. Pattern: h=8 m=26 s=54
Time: h=9 m=51 s=20
